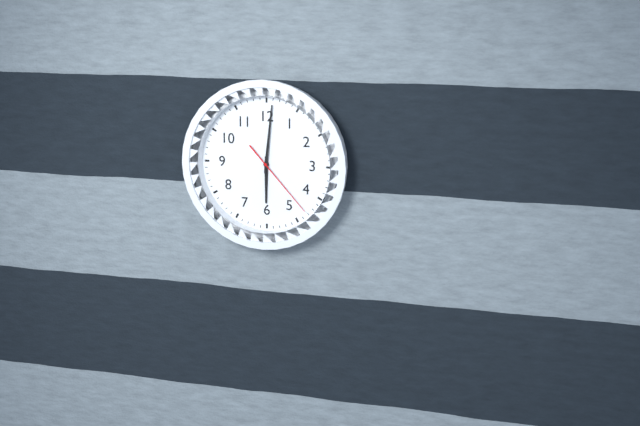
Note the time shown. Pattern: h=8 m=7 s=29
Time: h=6 m=1 s=23
